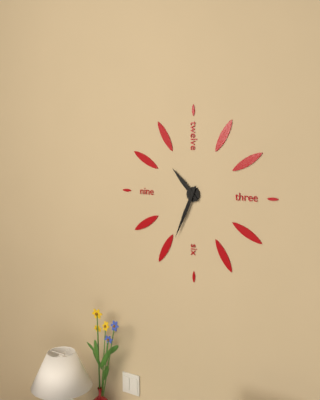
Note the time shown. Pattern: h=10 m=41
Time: h=10 m=34
